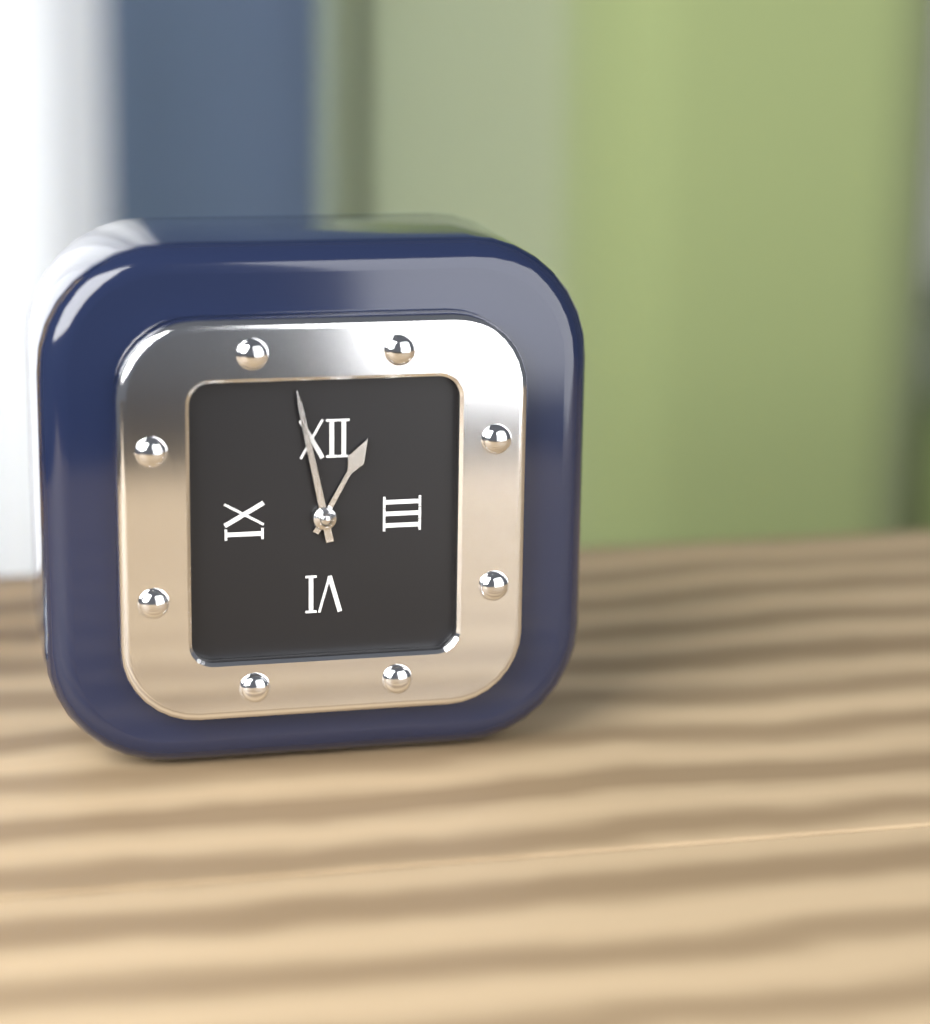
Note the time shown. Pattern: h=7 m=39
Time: h=12 m=58
